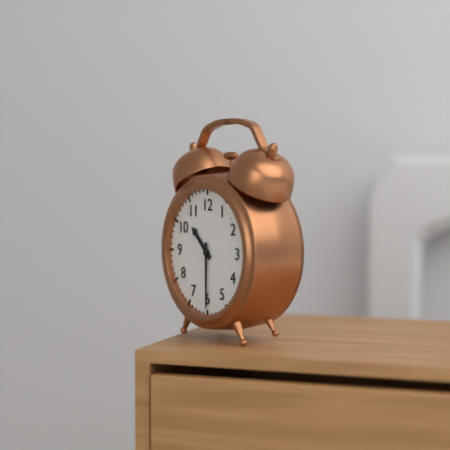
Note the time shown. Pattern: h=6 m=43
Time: h=10 m=30
